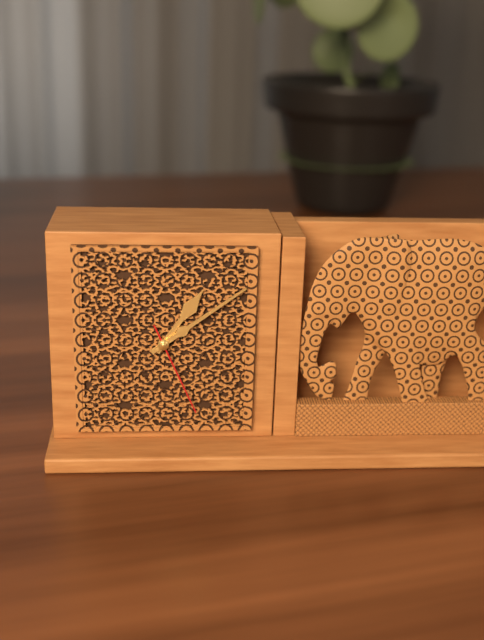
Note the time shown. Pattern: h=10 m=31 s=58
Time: h=1 m=9 s=26
